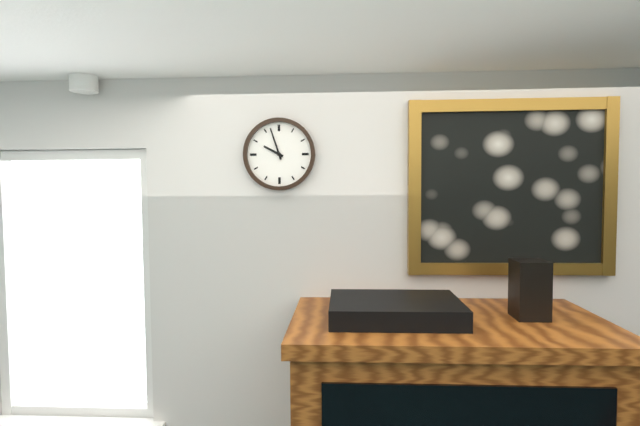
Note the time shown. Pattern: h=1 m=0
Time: h=9 m=57
